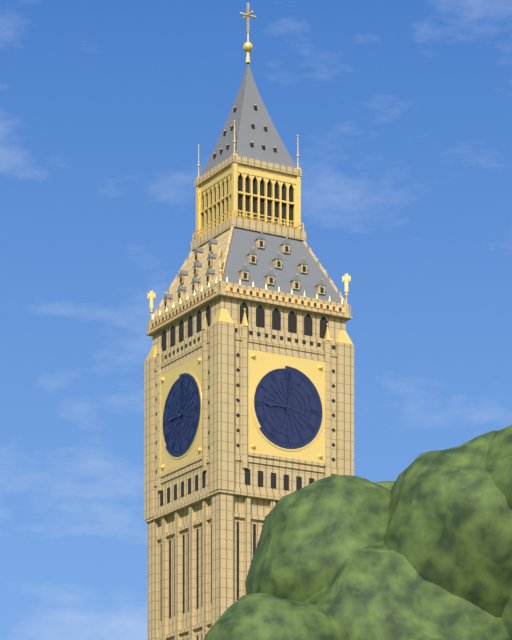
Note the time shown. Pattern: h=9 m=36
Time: h=9 m=1
